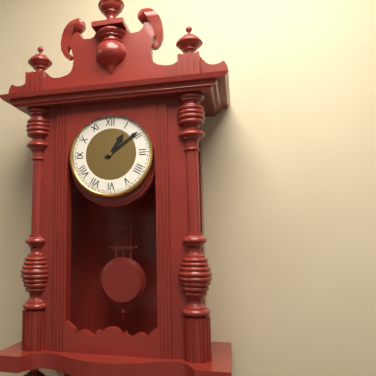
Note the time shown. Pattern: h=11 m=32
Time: h=1 m=9
